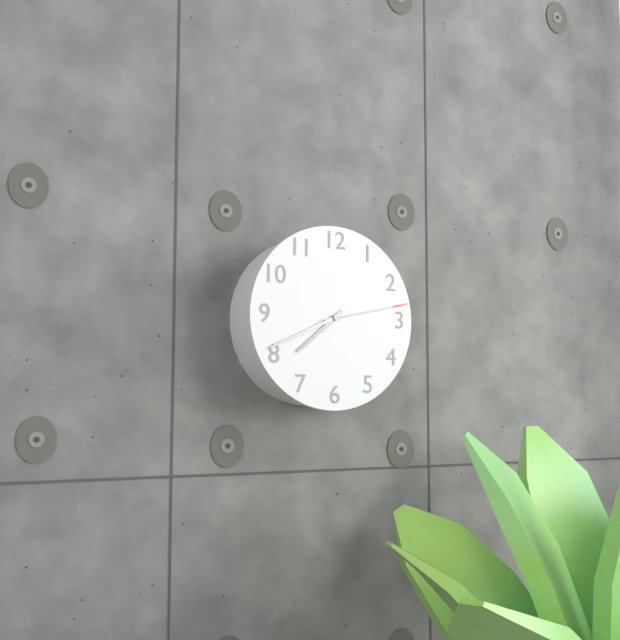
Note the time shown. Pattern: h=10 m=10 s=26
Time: h=7 m=41 s=13
